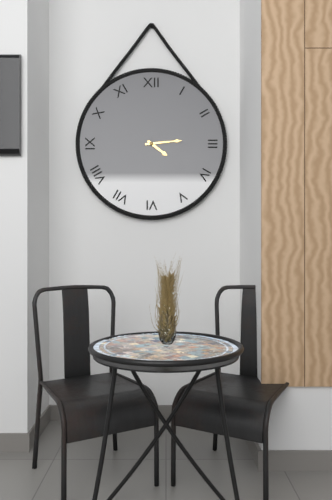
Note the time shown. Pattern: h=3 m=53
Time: h=4 m=14
